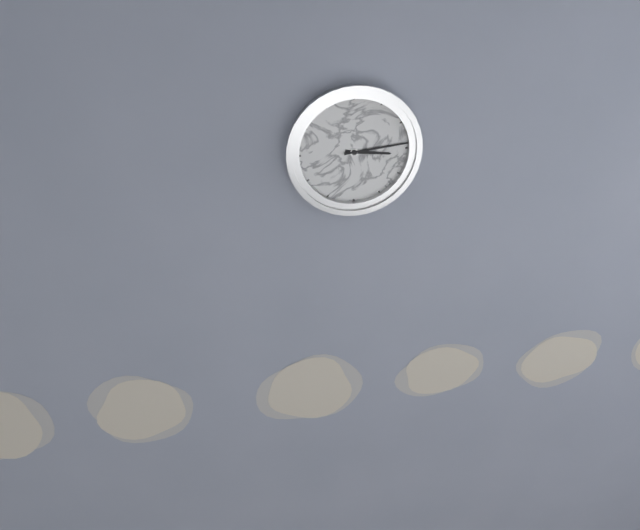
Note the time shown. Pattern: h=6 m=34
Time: h=3 m=14
